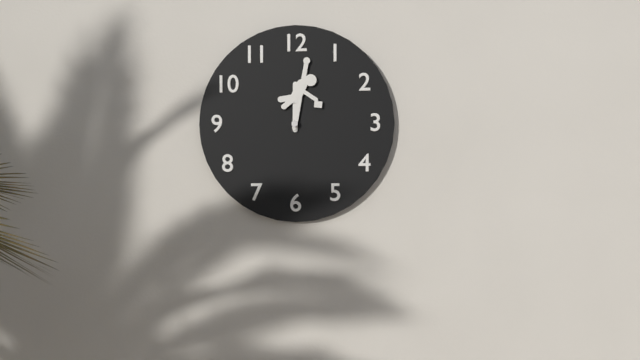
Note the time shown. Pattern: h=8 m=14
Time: h=12 m=1
